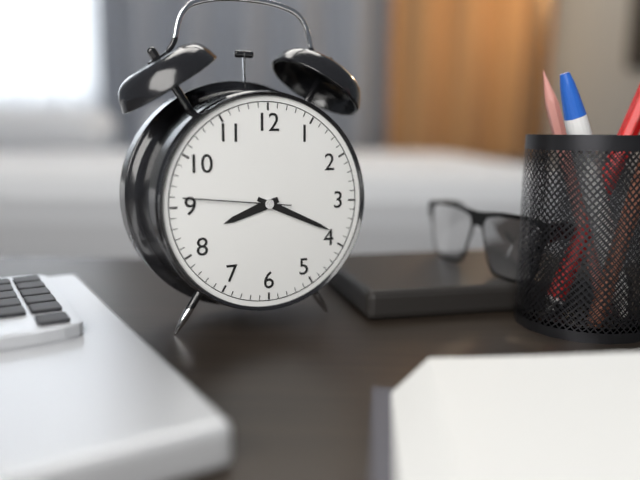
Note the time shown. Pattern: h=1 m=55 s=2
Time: h=8 m=19 s=46
